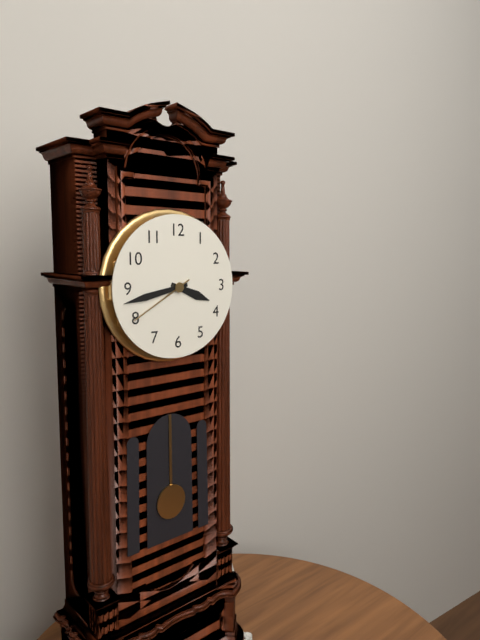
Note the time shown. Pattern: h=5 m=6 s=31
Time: h=3 m=43 s=40
